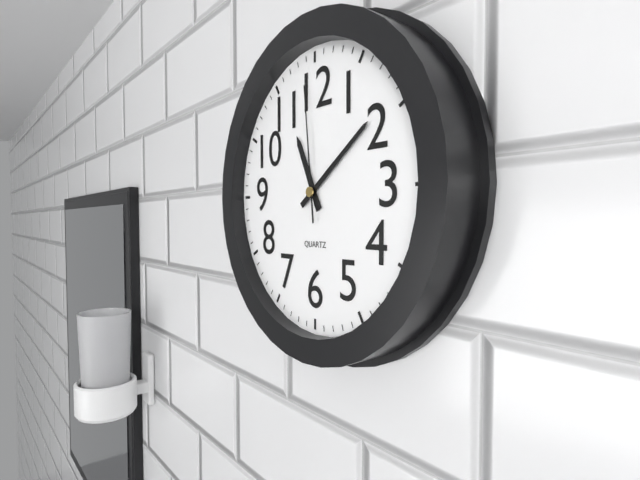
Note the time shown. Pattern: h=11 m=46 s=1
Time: h=11 m=9 s=59
